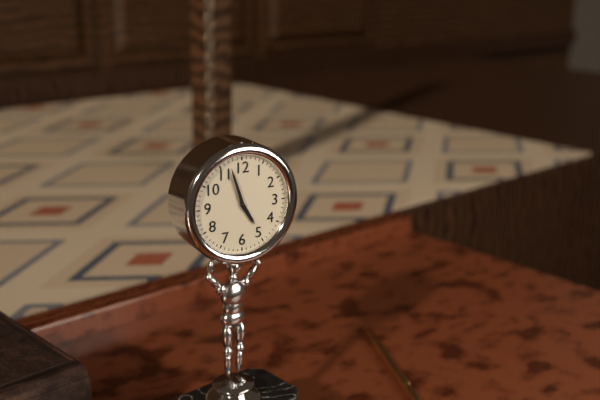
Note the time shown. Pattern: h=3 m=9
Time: h=4 m=57
